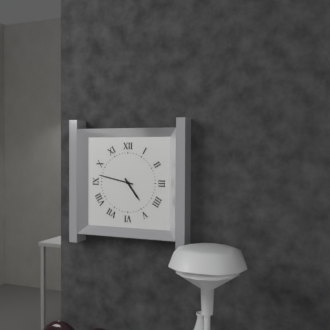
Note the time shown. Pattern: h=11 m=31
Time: h=4 m=47
